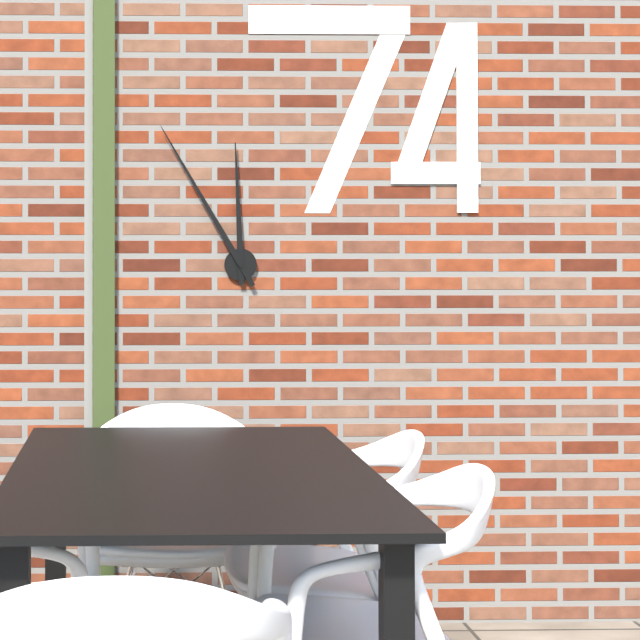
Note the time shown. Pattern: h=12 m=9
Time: h=11 m=55
